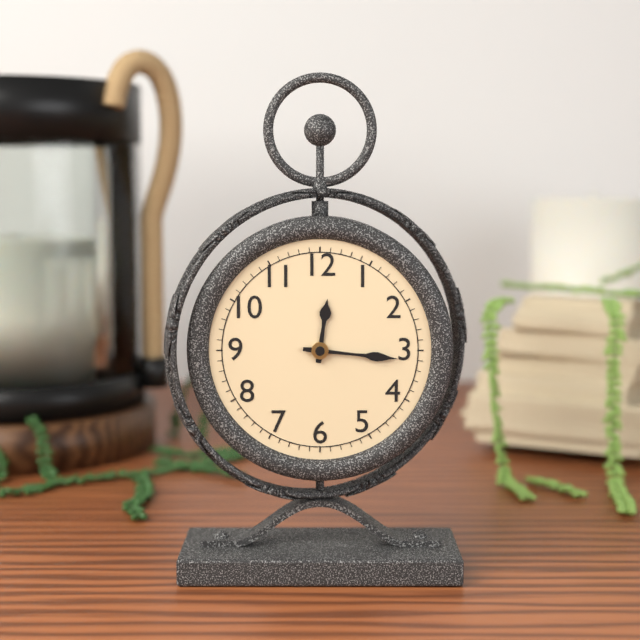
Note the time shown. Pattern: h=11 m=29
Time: h=12 m=16
